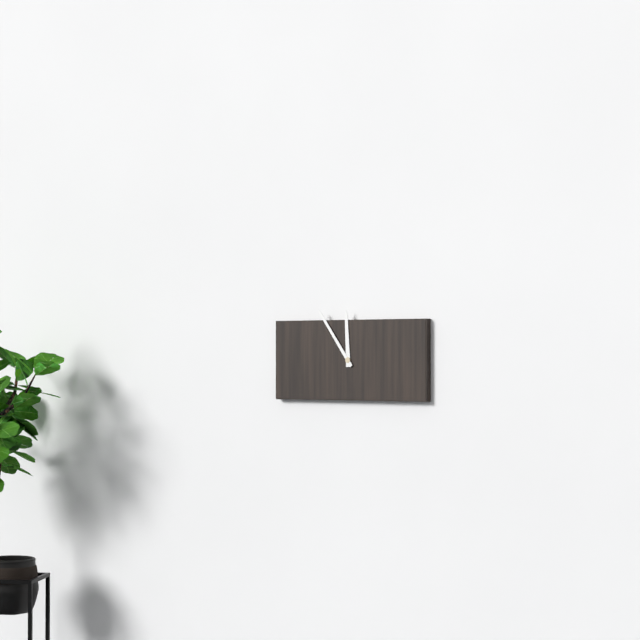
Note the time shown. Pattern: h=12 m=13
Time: h=11 m=54
